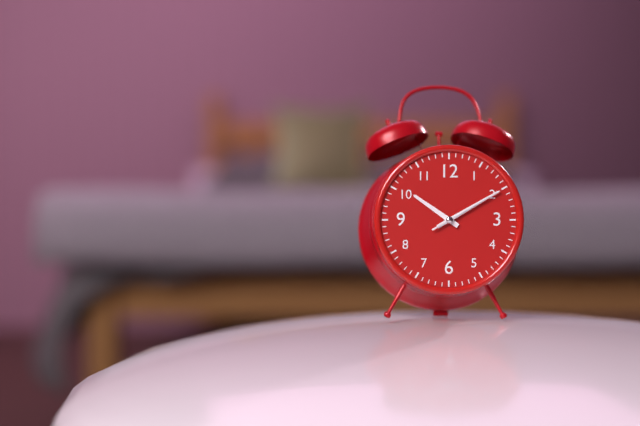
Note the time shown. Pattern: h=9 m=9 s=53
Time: h=10 m=10 s=10
